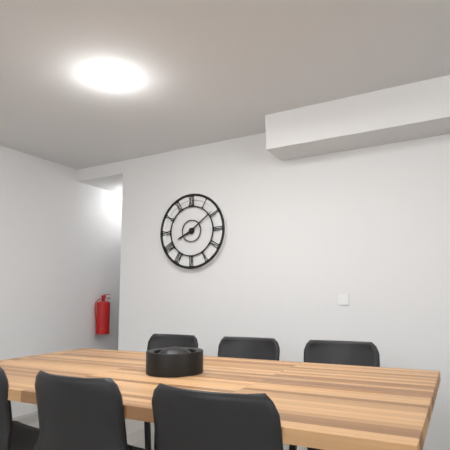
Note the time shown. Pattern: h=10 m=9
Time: h=8 m=9
